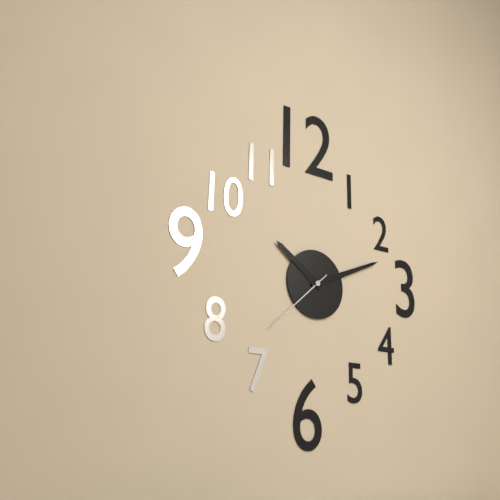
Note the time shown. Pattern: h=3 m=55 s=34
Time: h=10 m=11 s=38
